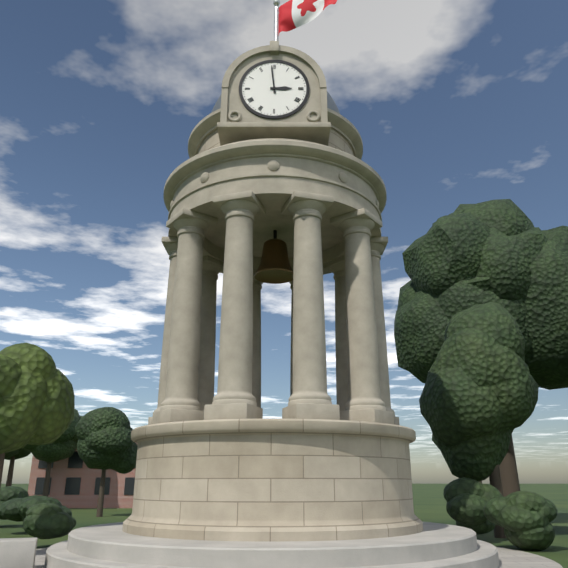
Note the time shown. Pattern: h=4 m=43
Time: h=2 m=59
